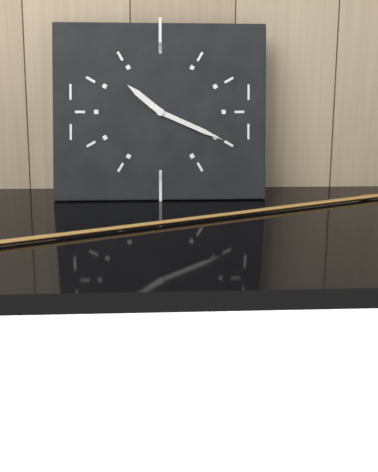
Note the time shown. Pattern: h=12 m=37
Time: h=10 m=19
